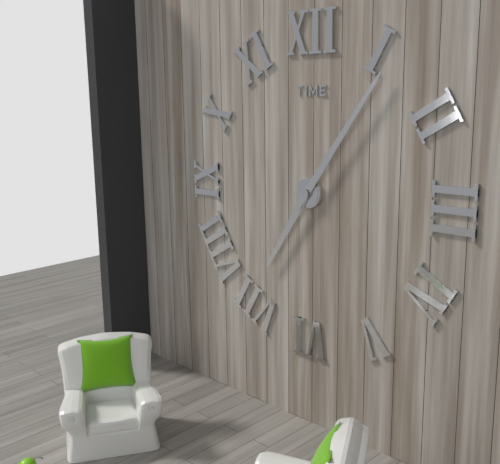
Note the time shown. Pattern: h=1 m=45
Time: h=7 m=6
